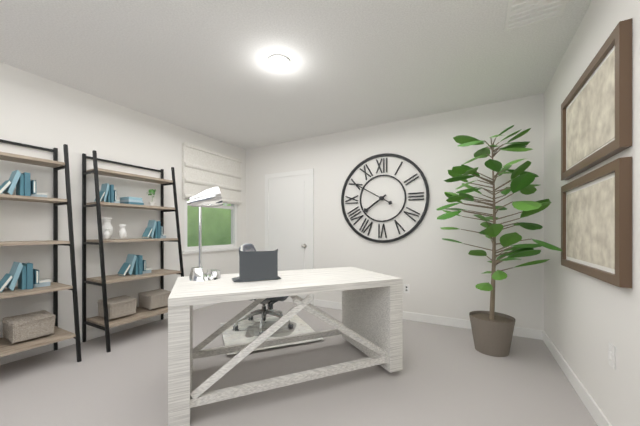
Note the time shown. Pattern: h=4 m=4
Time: h=7 m=50
